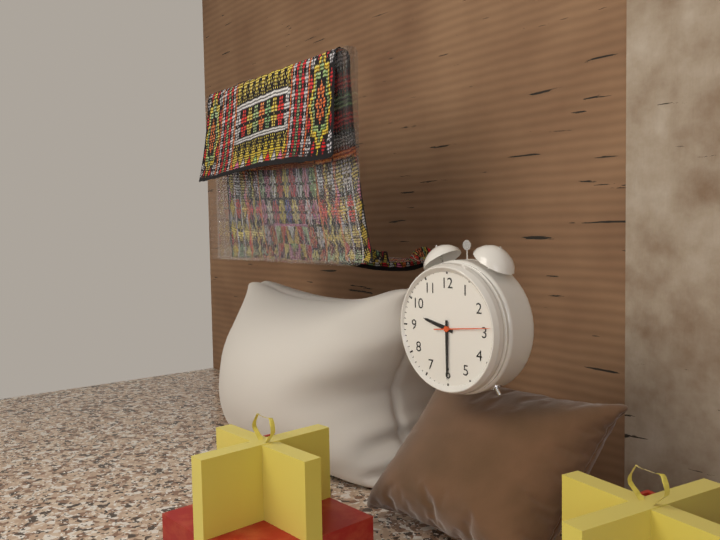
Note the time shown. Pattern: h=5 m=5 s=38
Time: h=9 m=30 s=14
